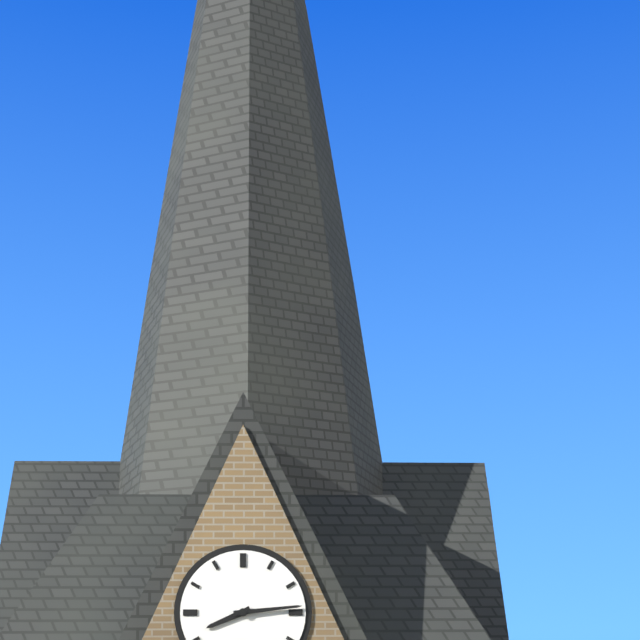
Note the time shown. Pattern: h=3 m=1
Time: h=8 m=14
